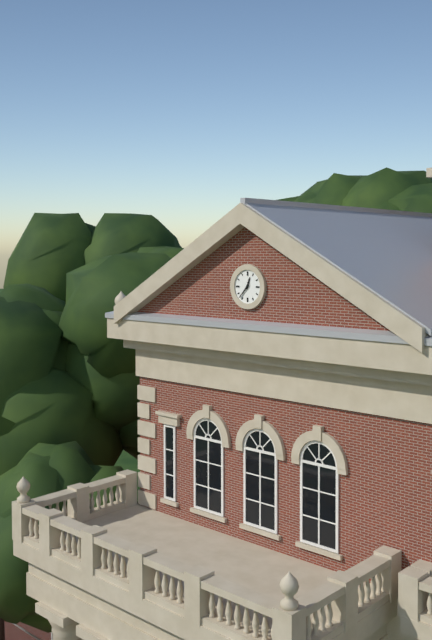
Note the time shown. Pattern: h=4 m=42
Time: h=12 m=37
